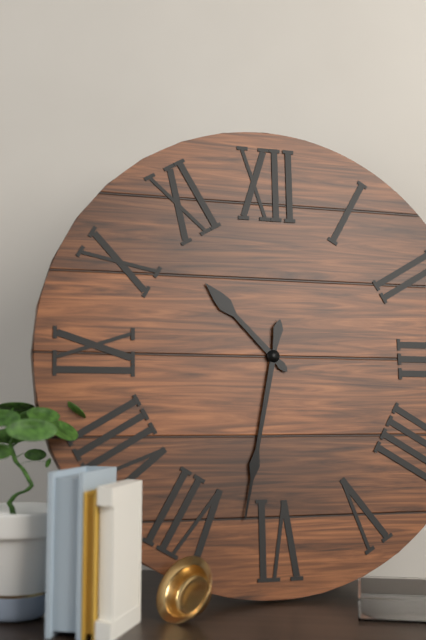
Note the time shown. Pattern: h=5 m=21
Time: h=10 m=32
